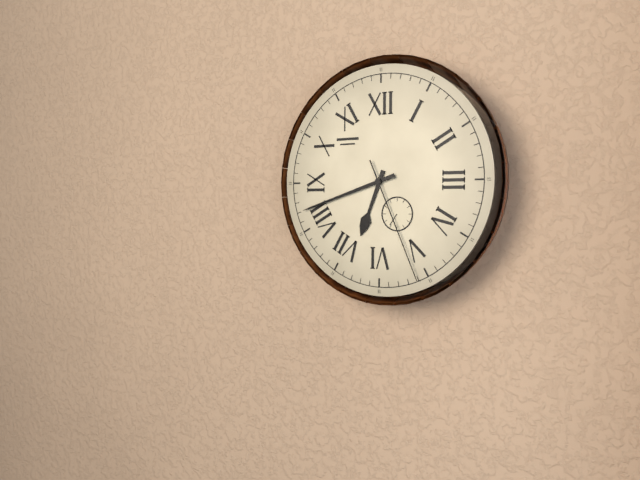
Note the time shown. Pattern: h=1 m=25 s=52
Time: h=6 m=42 s=26
